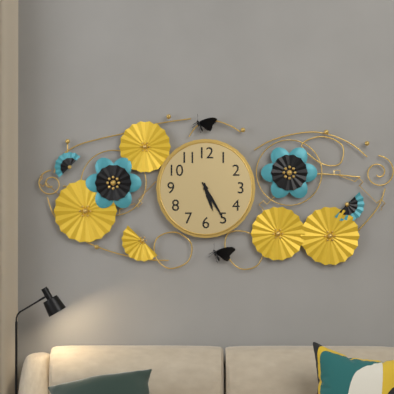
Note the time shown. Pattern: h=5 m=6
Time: h=5 m=25
